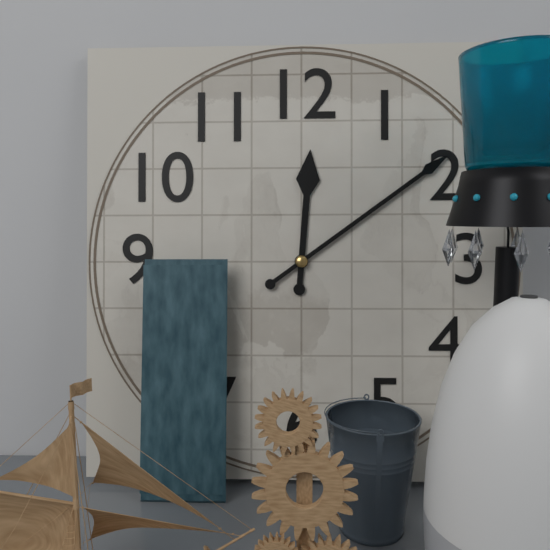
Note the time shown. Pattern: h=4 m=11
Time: h=12 m=9
